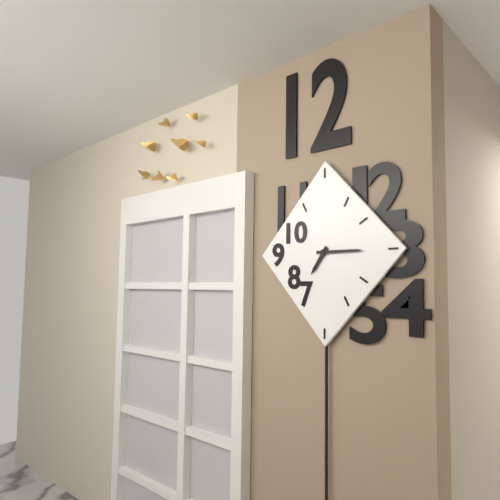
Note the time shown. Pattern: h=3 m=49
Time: h=7 m=15
